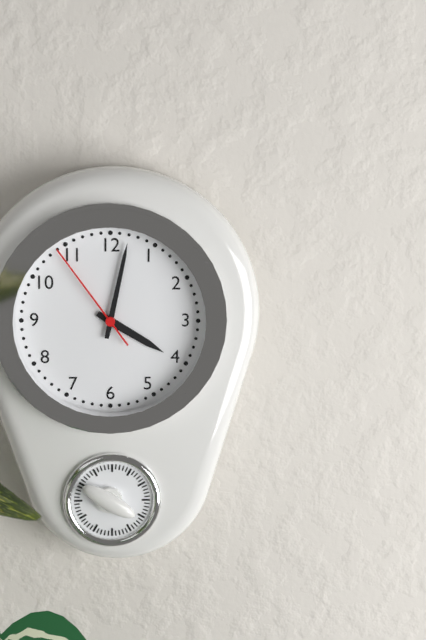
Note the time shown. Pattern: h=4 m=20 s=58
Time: h=4 m=2 s=54
